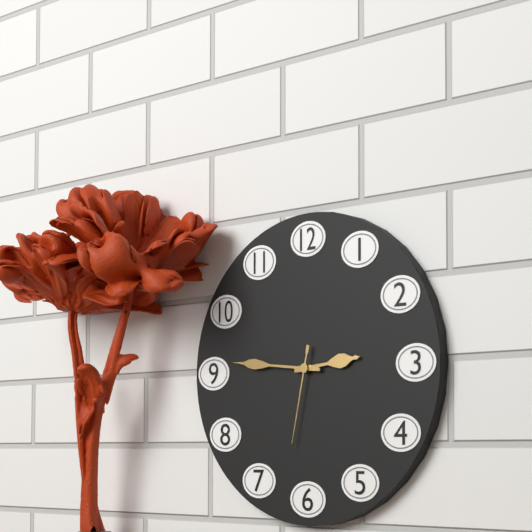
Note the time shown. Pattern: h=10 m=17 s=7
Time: h=2 m=46 s=32
